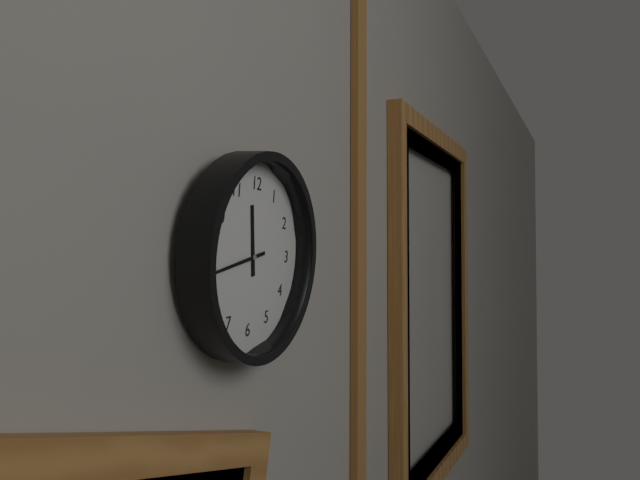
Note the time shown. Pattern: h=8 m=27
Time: h=11 m=43
